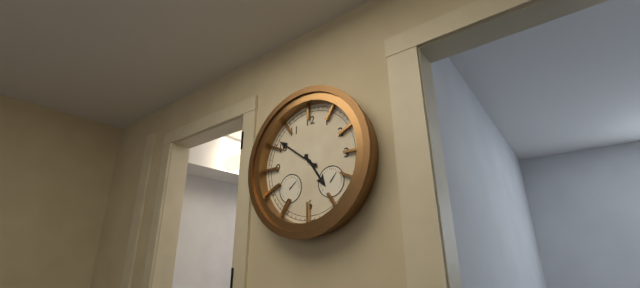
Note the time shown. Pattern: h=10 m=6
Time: h=4 m=51
